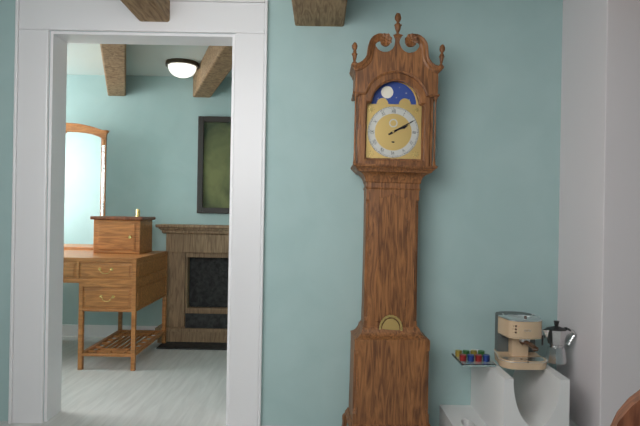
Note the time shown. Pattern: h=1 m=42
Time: h=2 m=10
